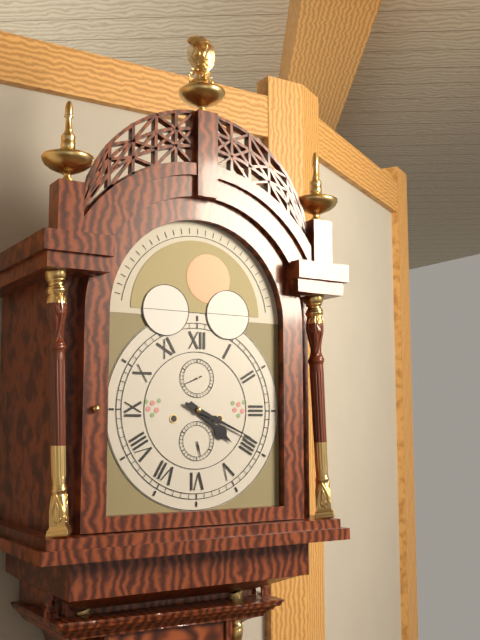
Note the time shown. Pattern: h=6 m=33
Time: h=4 m=19
